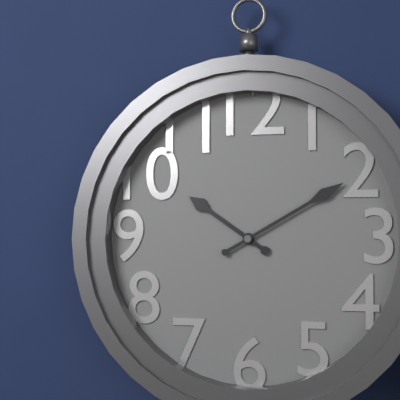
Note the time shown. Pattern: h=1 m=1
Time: h=10 m=10
